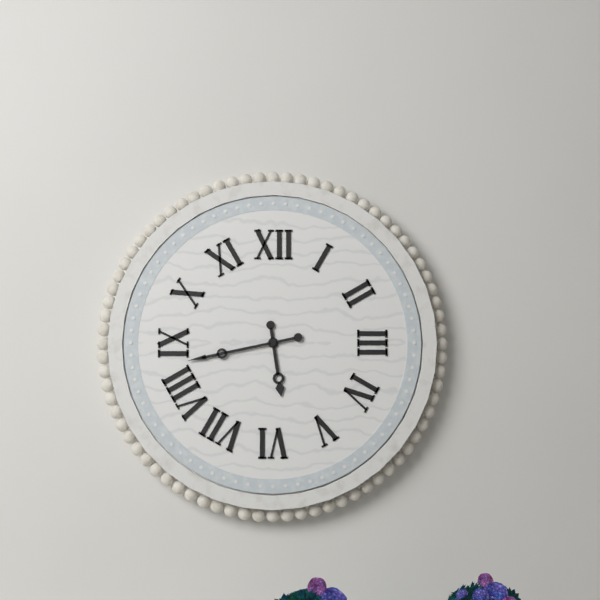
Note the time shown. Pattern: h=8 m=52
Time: h=5 m=43
